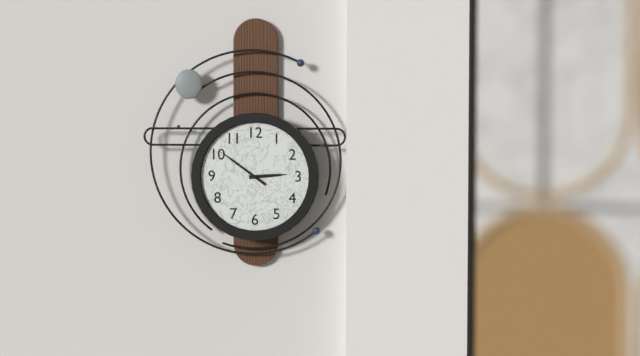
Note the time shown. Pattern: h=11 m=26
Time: h=2 m=51
